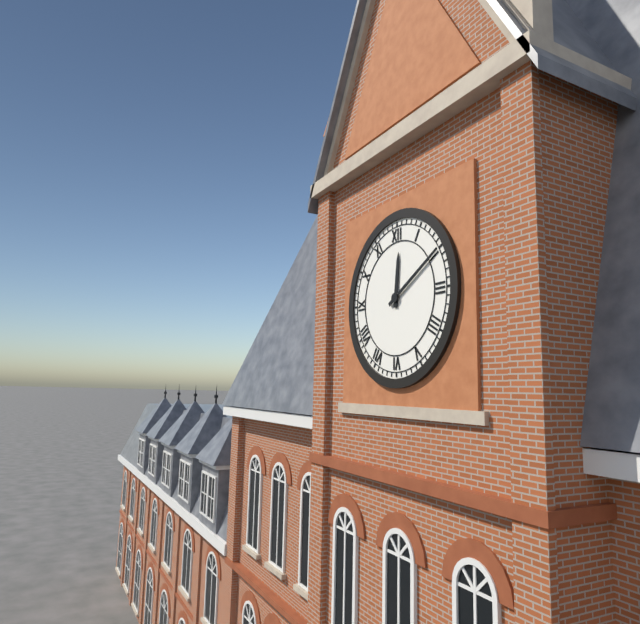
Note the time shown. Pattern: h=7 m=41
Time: h=12 m=10
